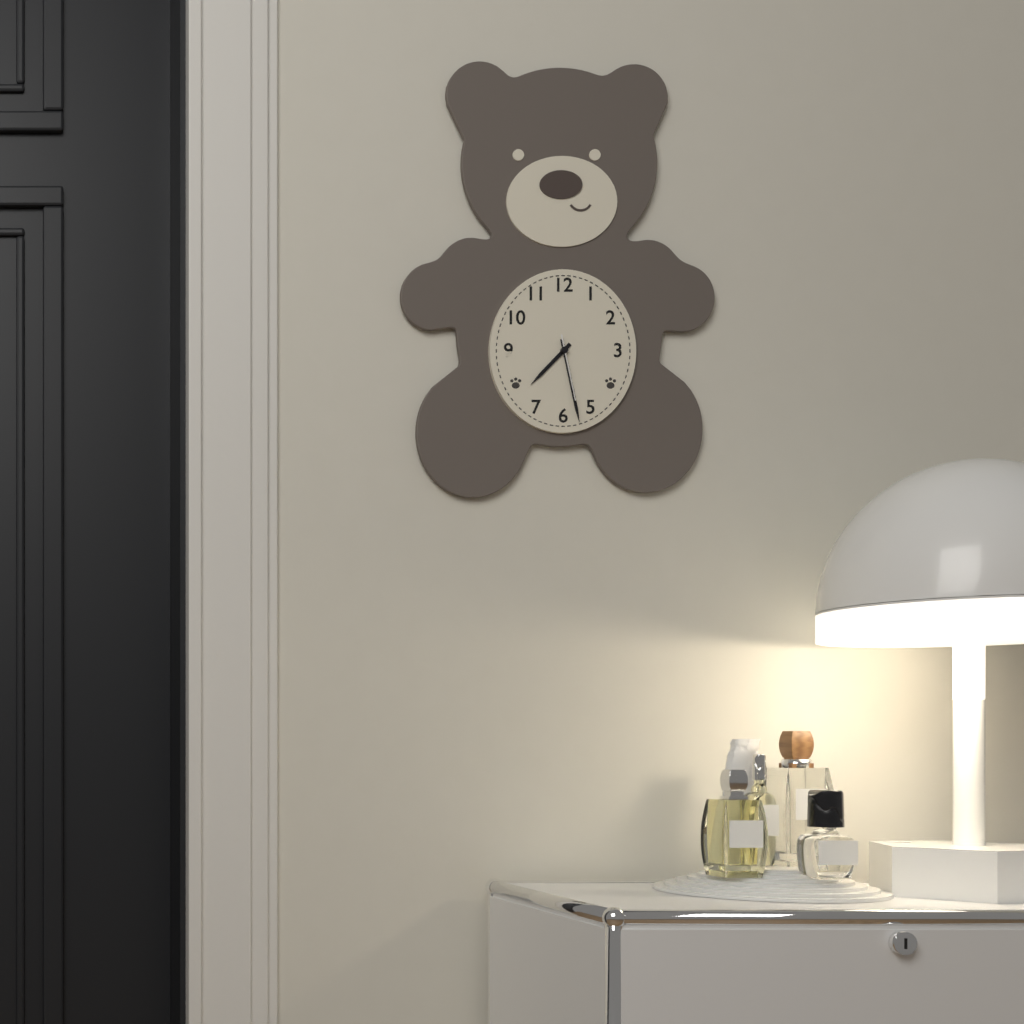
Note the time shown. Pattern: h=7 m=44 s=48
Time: h=7 m=28 s=28
